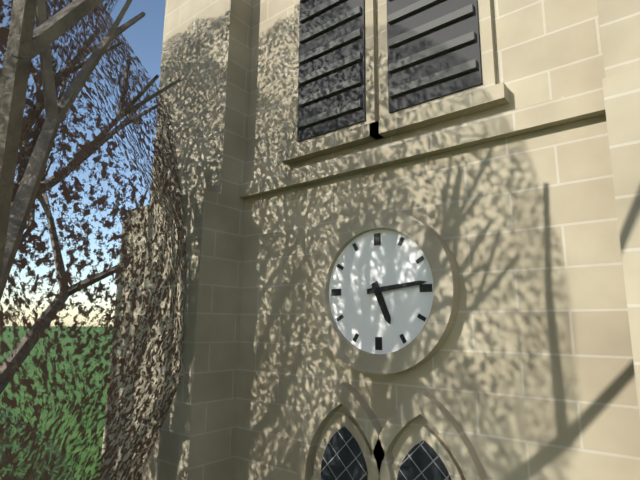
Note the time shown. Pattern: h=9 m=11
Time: h=5 m=14
